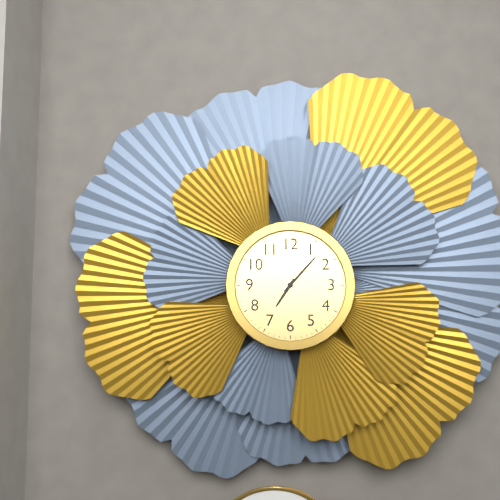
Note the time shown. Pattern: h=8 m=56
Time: h=7 m=7
